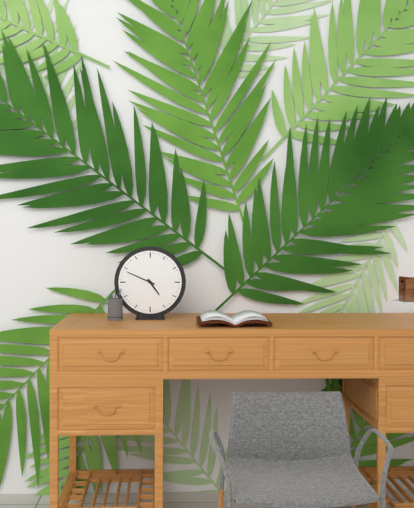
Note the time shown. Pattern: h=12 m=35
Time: h=4 m=49
